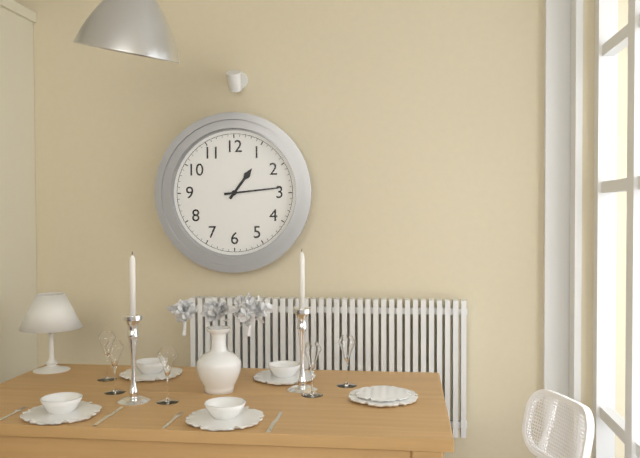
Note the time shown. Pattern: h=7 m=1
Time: h=1 m=14
